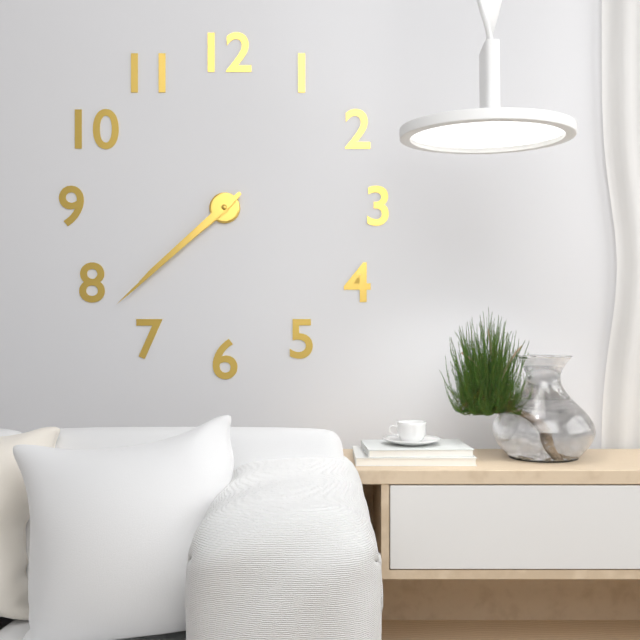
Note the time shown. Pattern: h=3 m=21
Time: h=7 m=38
